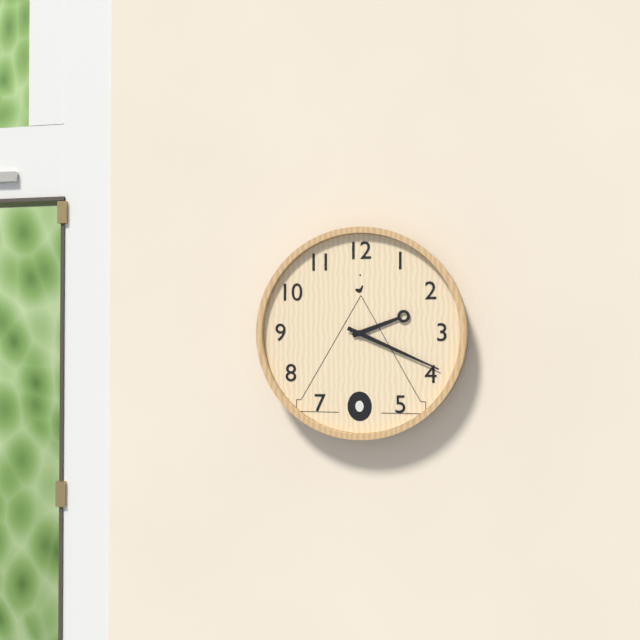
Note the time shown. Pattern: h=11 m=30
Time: h=2 m=19
